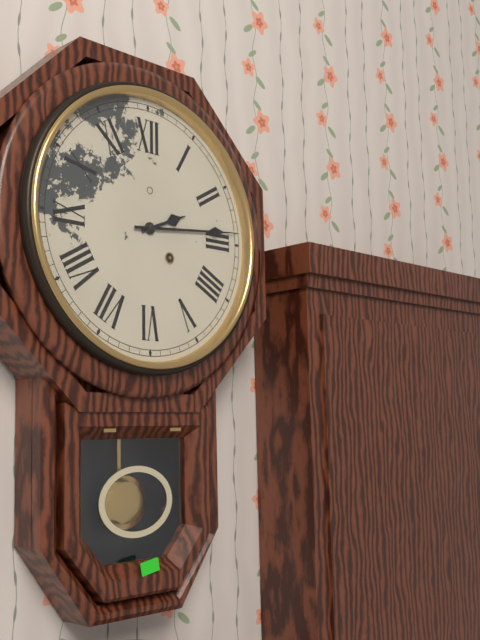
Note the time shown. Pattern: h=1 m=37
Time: h=2 m=14
